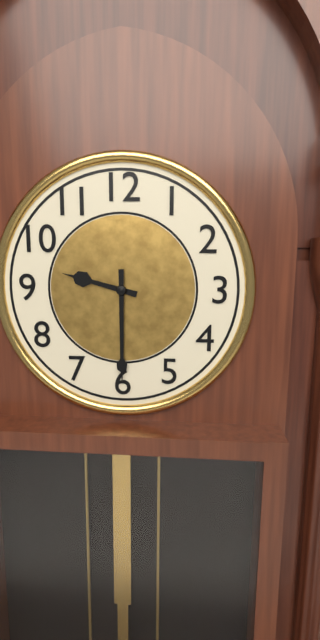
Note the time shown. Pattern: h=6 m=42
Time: h=9 m=30
